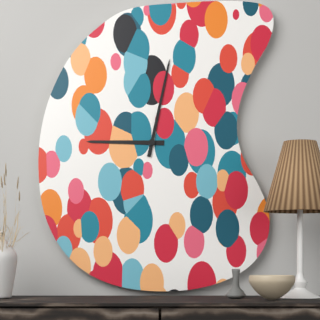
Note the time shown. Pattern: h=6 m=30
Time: h=9 m=2
